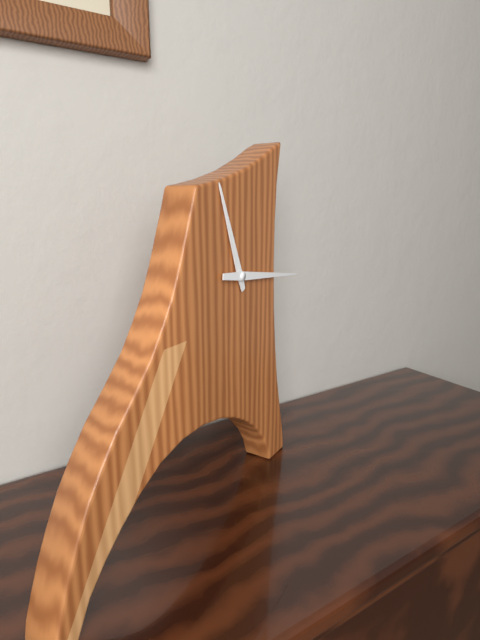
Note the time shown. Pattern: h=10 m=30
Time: h=11 m=16
